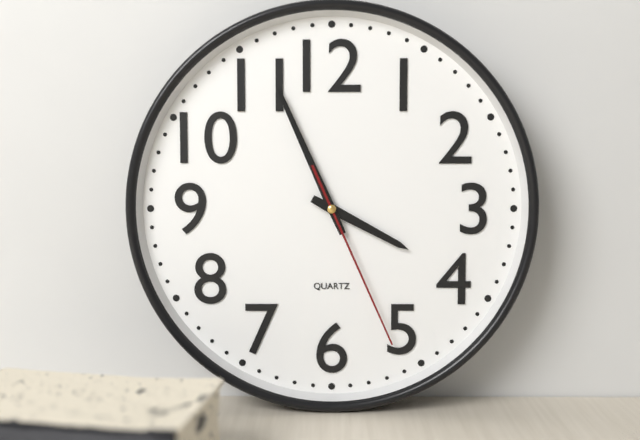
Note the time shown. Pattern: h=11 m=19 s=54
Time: h=3 m=56 s=26
